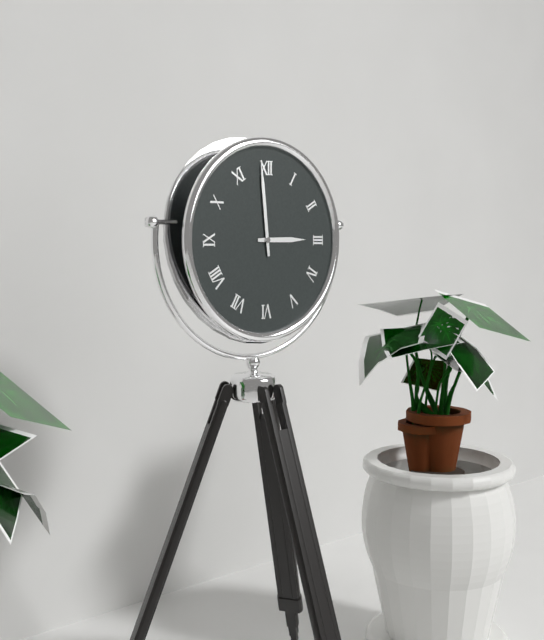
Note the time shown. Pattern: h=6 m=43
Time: h=2 m=59
